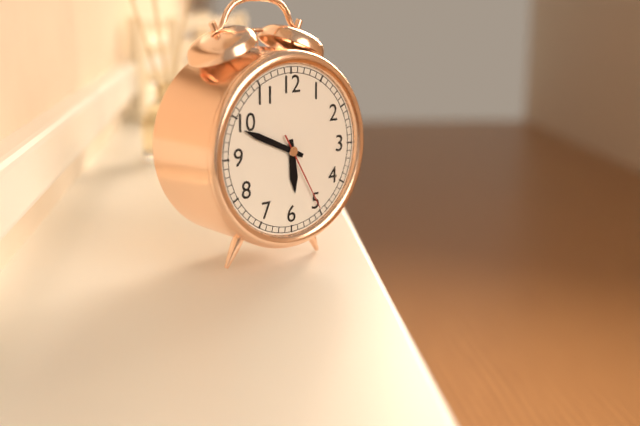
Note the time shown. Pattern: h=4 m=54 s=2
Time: h=5 m=49 s=25
